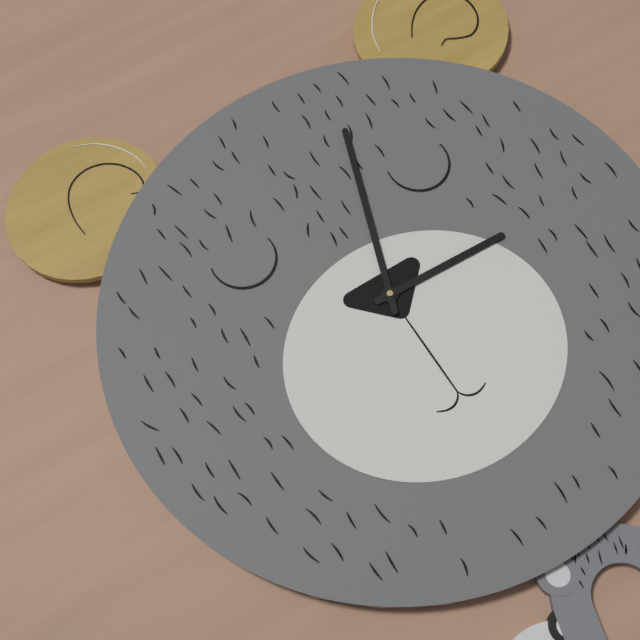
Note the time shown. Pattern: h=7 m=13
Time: h=3 m=3
